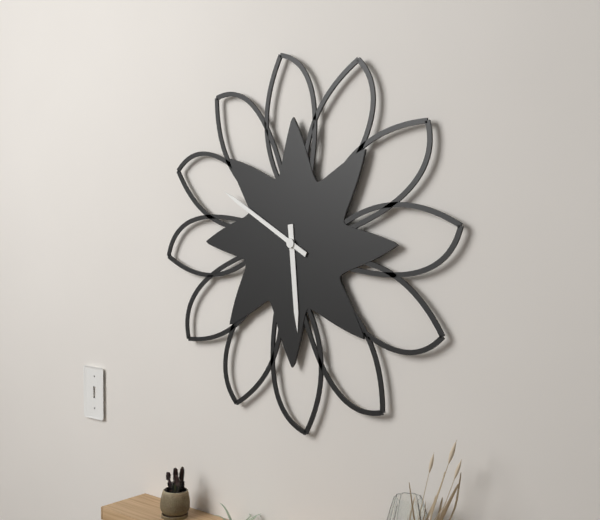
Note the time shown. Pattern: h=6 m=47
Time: h=5 m=50
